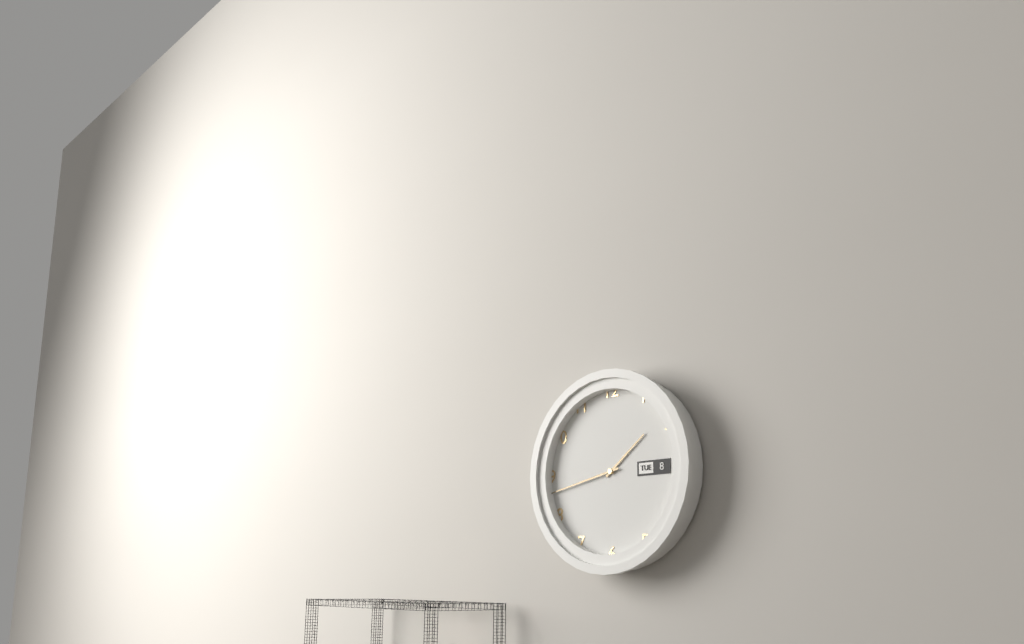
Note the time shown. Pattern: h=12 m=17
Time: h=1 m=43
